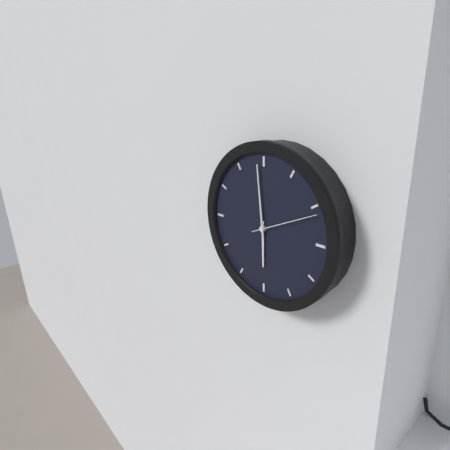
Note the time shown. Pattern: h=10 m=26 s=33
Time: h=5 m=59 s=11
